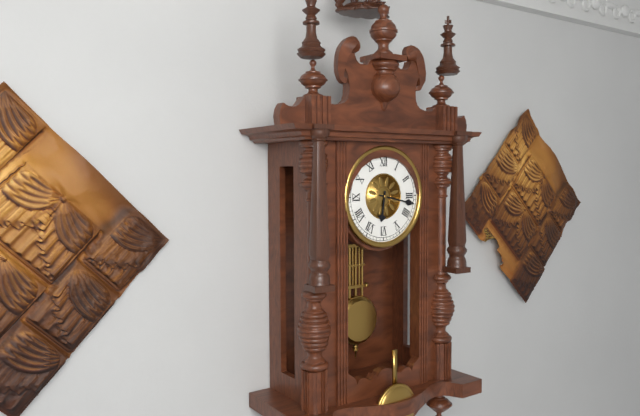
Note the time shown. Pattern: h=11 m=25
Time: h=6 m=17
